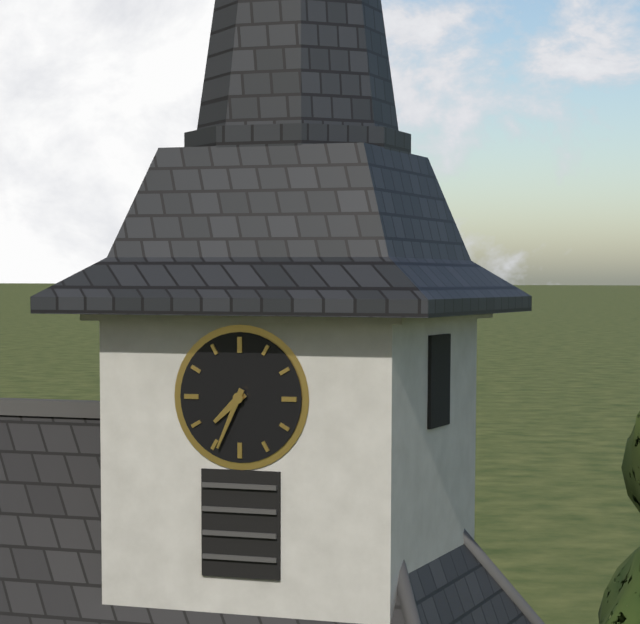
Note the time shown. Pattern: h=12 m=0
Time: h=7 m=34
